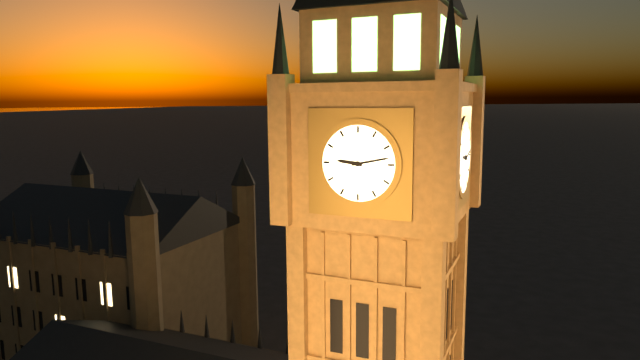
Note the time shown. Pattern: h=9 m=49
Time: h=9 m=13
